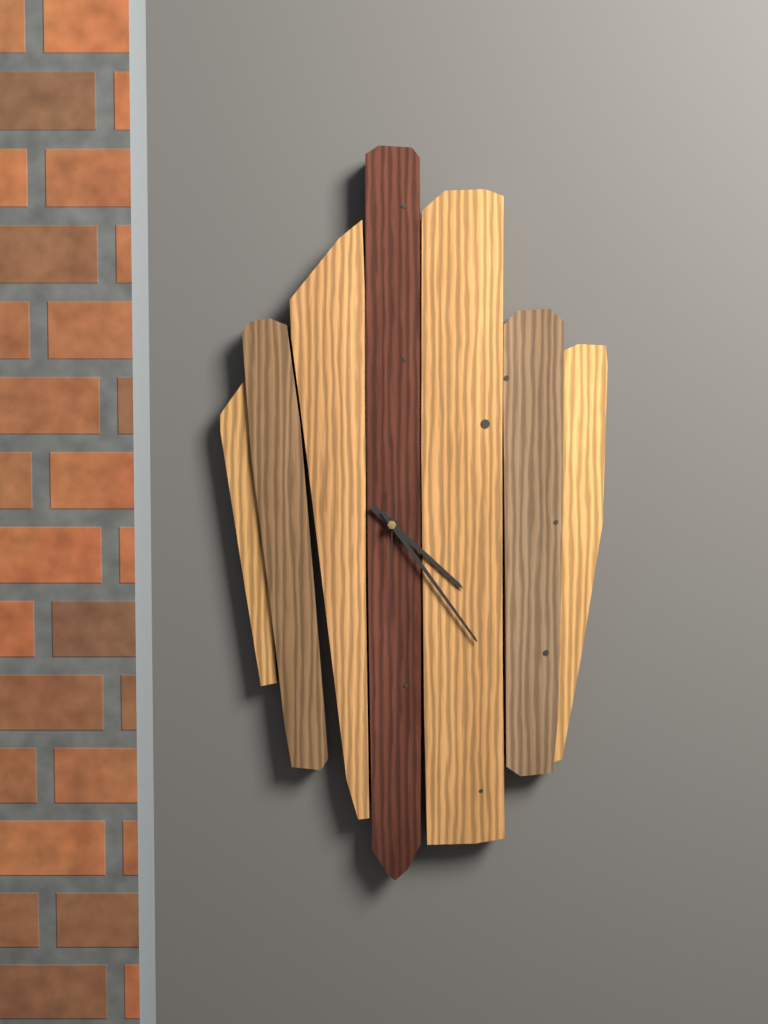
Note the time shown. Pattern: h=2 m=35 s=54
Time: h=4 m=24 s=30
